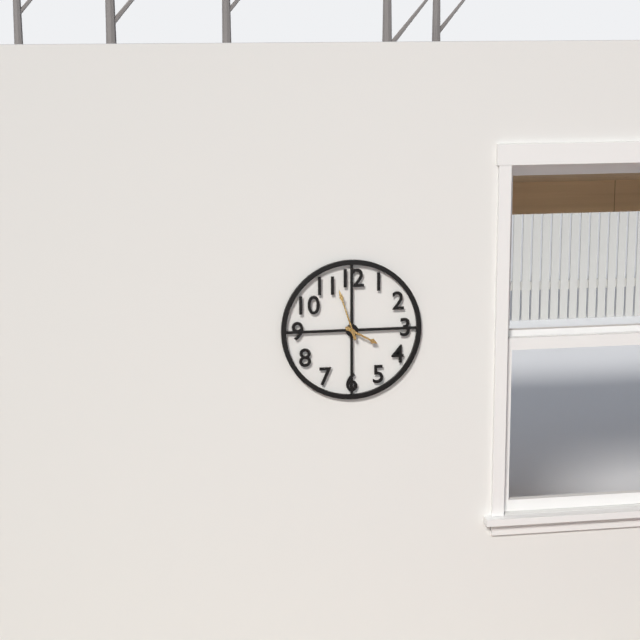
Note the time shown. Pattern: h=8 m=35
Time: h=3 m=57
